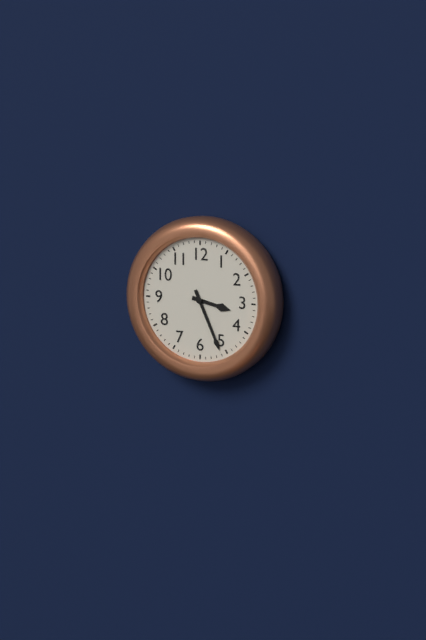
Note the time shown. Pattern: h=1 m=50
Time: h=3 m=26
